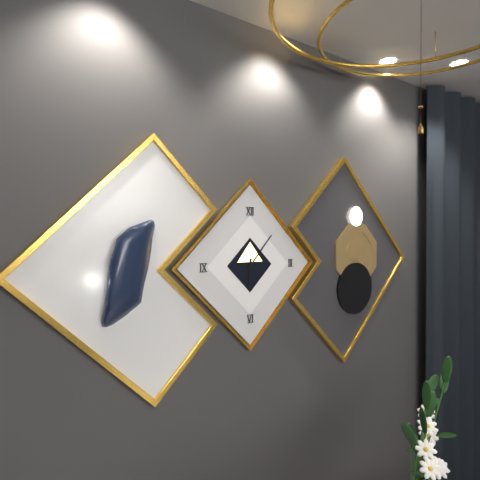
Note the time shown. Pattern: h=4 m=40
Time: h=6 m=7
